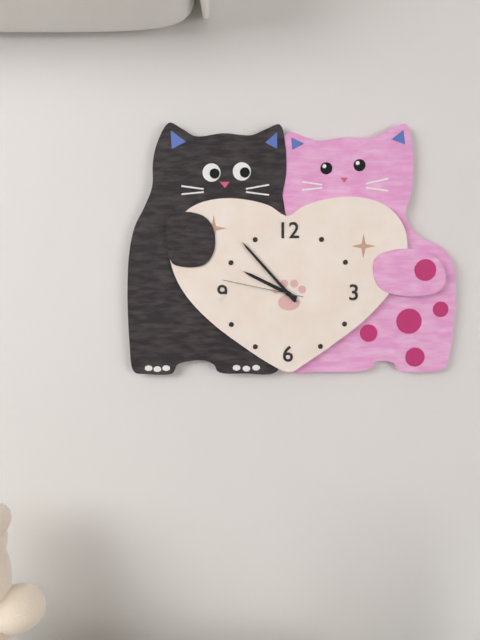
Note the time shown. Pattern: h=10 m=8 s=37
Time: h=9 m=53 s=47
